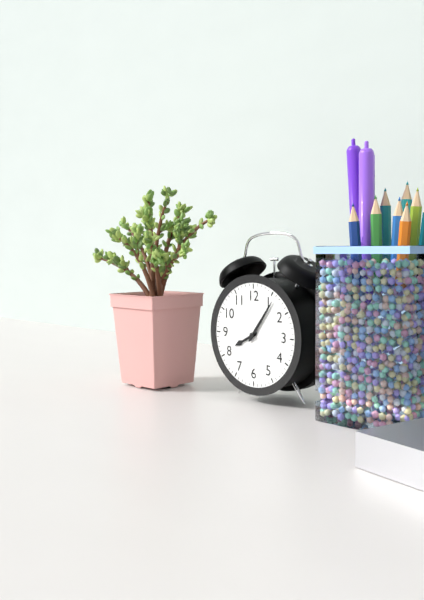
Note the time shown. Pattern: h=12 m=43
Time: h=8 m=6
